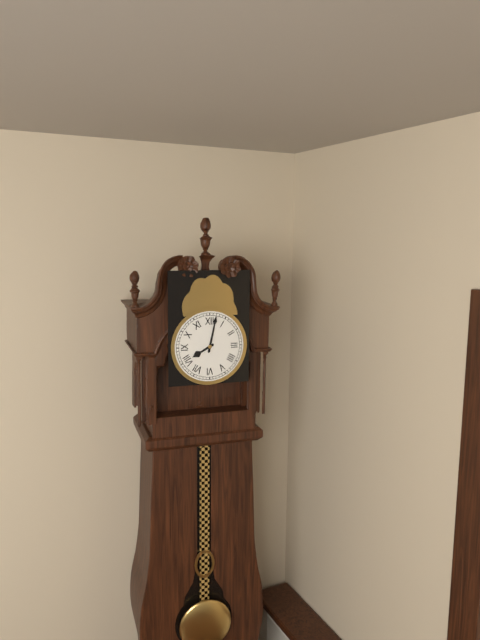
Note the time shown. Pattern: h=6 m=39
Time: h=8 m=2
